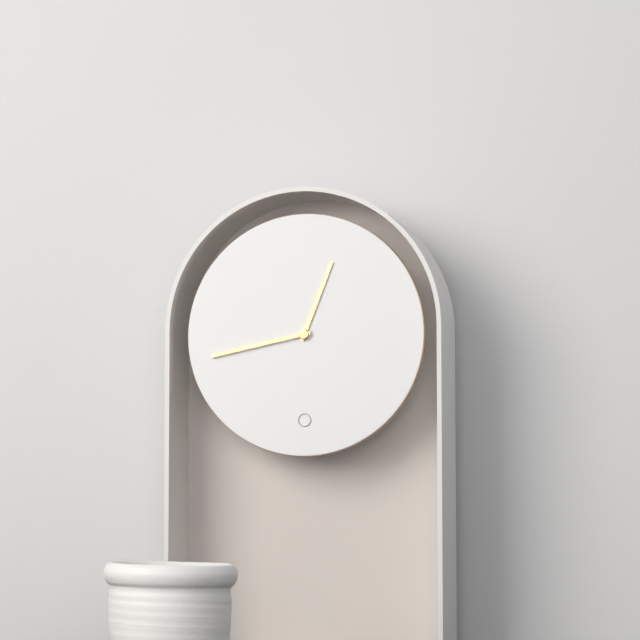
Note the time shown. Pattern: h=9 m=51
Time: h=12 m=43
